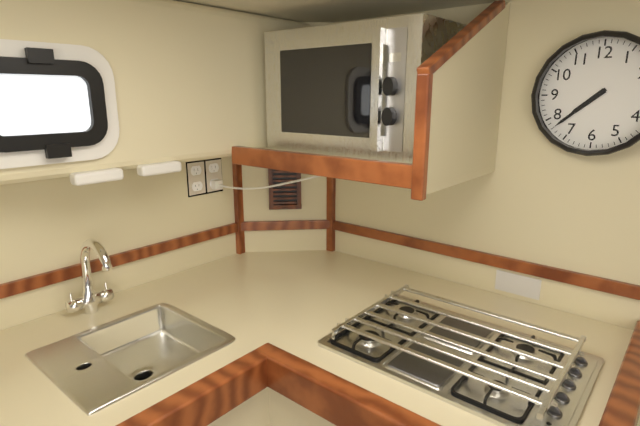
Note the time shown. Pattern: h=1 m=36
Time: h=7 m=38
